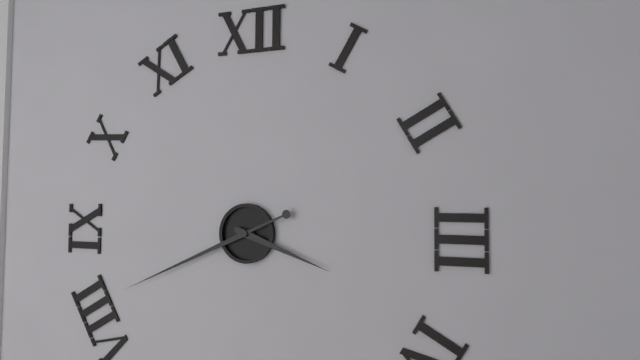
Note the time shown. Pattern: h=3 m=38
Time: h=3 m=41
